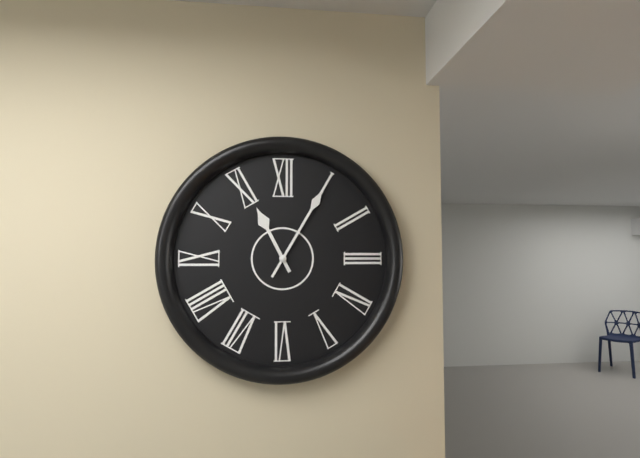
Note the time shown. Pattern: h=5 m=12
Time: h=11 m=5
